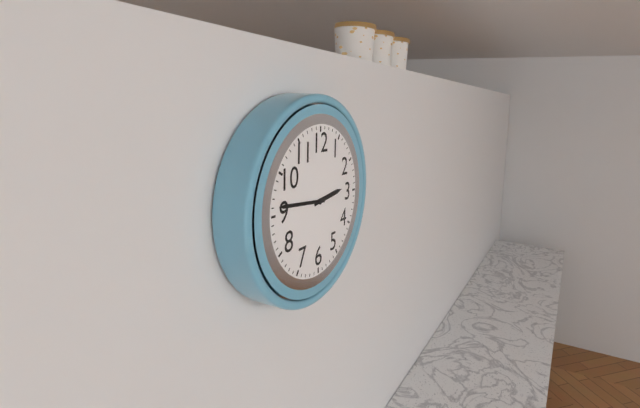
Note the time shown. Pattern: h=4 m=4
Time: h=2 m=46
